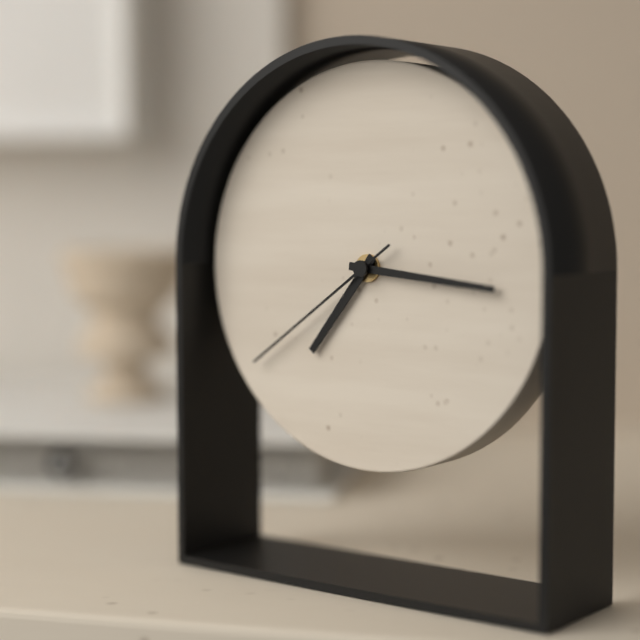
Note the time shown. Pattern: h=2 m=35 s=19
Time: h=7 m=16 s=39
